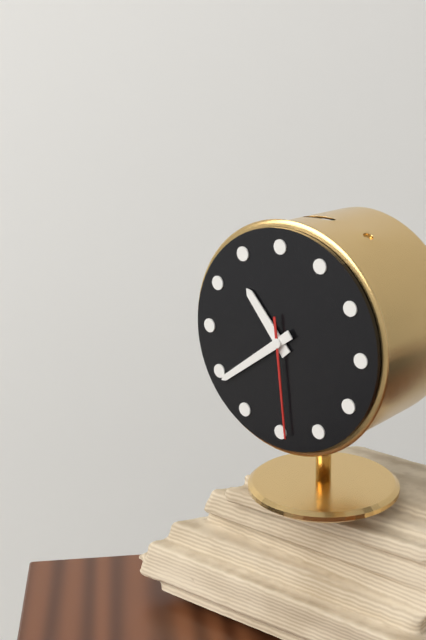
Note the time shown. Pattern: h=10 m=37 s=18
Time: h=10 m=39 s=29
